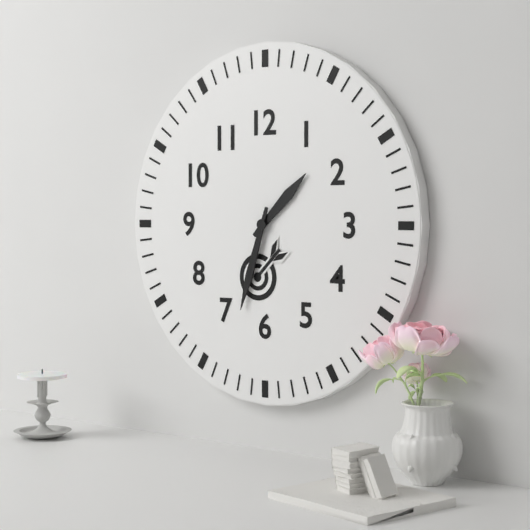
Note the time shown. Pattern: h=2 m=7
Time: h=1 m=33
